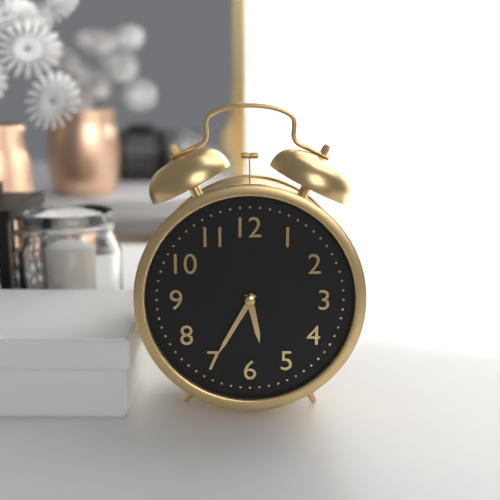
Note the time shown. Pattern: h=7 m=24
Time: h=5 m=35
